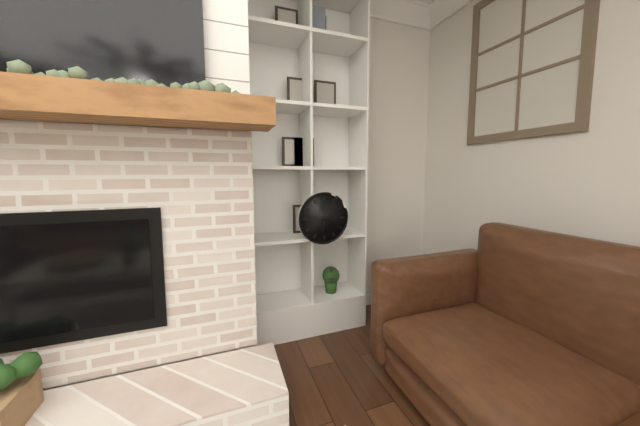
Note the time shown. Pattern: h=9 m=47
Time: h=6 m=13
